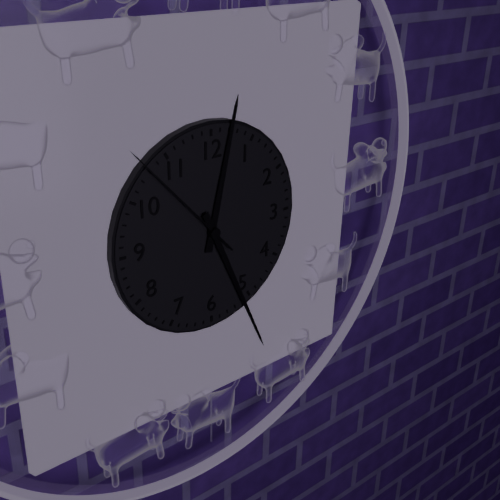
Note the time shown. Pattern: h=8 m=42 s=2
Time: h=12 m=26 s=53
